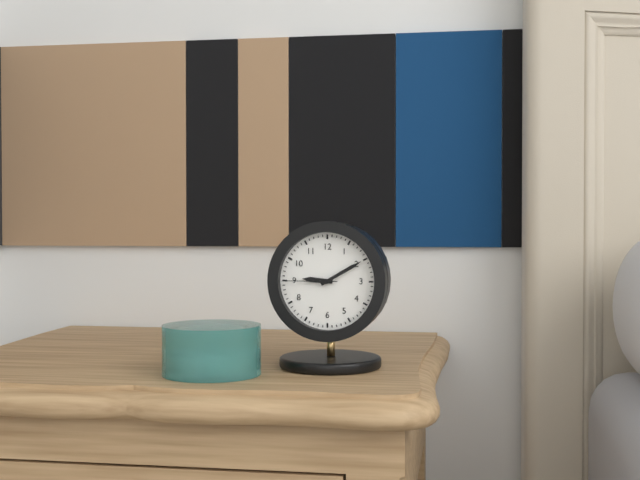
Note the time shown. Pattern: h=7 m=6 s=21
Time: h=9 m=10 s=45
